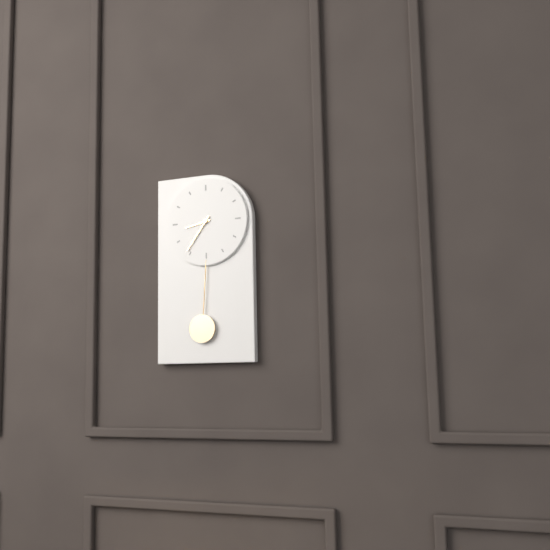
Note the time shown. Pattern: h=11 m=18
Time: h=8 m=36
